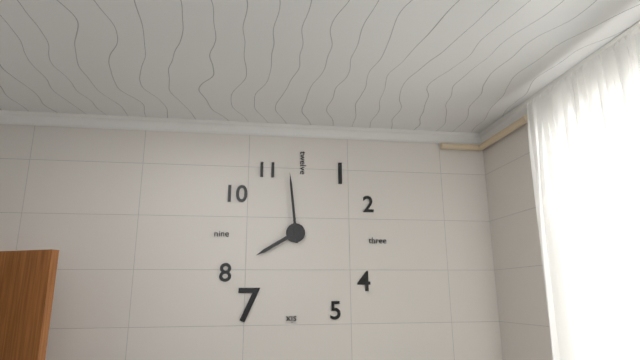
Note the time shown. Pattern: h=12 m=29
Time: h=7 m=59
